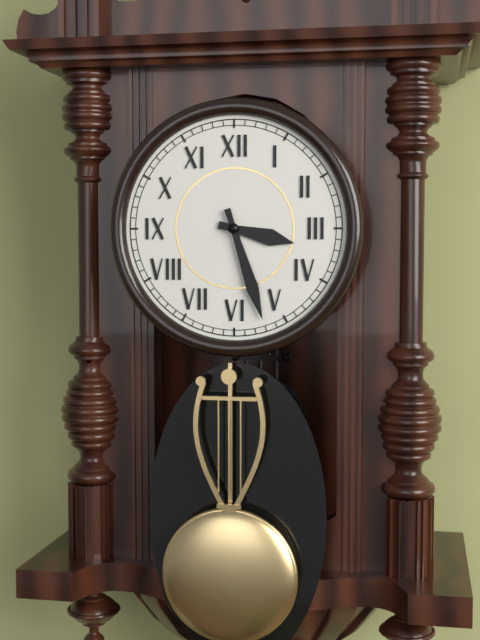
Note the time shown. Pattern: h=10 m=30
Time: h=3 m=27
